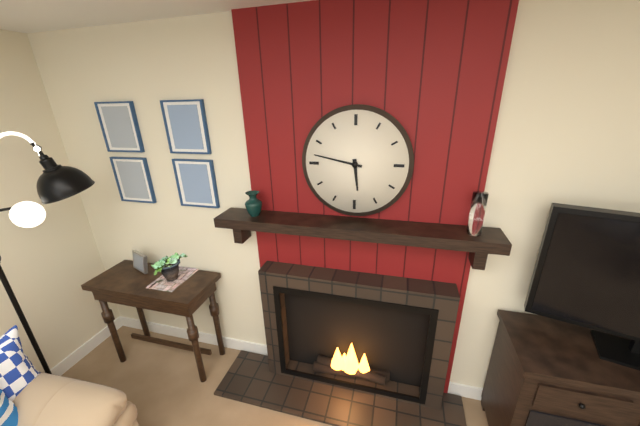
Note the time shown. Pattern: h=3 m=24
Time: h=5 m=47
